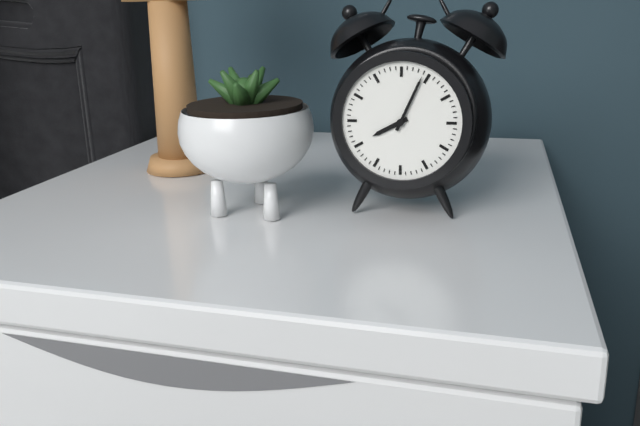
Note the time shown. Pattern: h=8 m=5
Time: h=8 m=4
